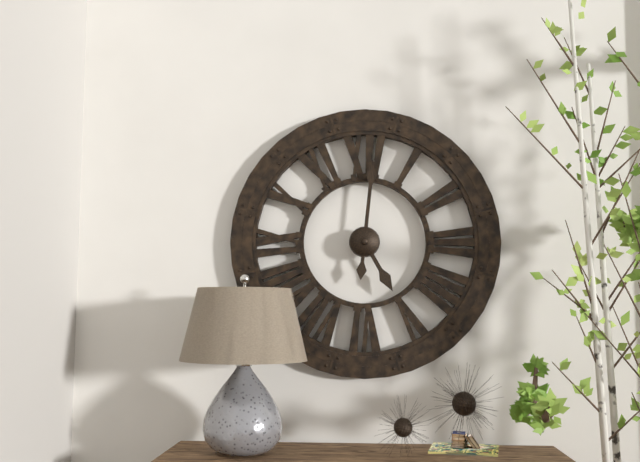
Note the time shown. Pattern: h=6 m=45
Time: h=5 m=1
